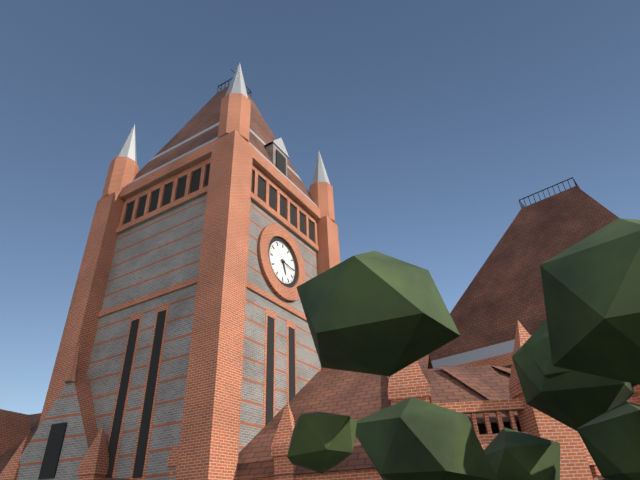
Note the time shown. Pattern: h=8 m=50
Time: h=5 m=16
